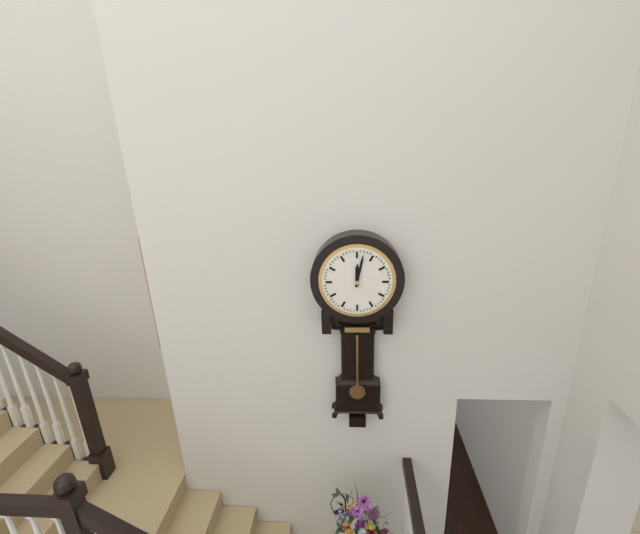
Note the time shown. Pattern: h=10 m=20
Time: h=12 m=2
